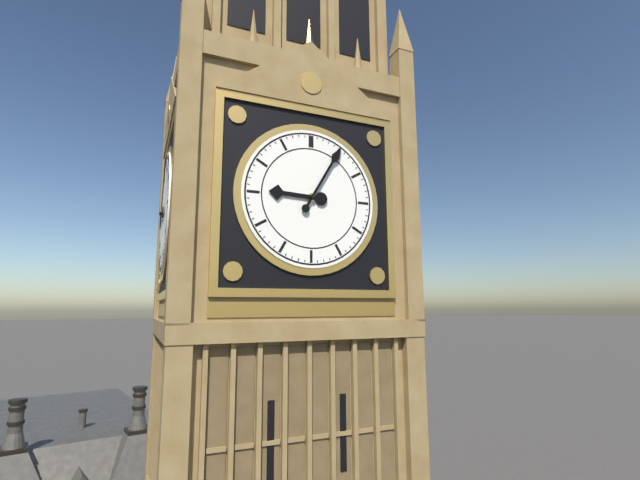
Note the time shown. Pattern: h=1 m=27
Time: h=9 m=5
